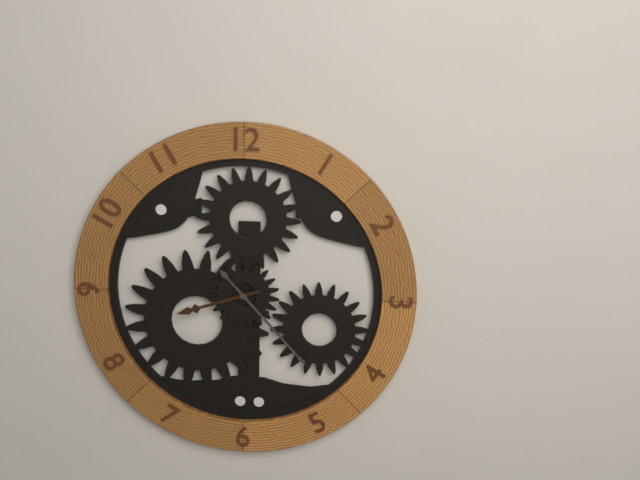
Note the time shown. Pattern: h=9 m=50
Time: h=8 m=23
